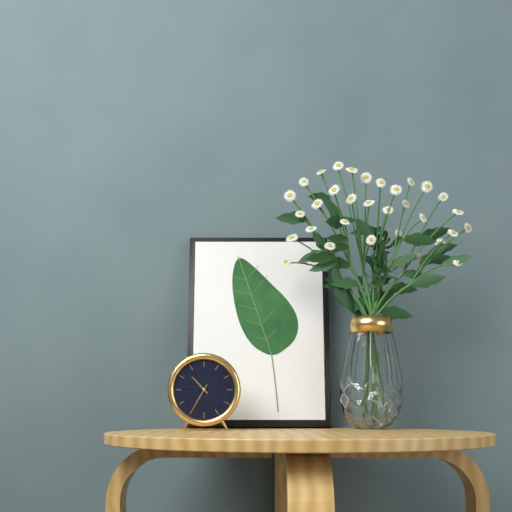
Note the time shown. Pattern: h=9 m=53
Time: h=10 m=35
